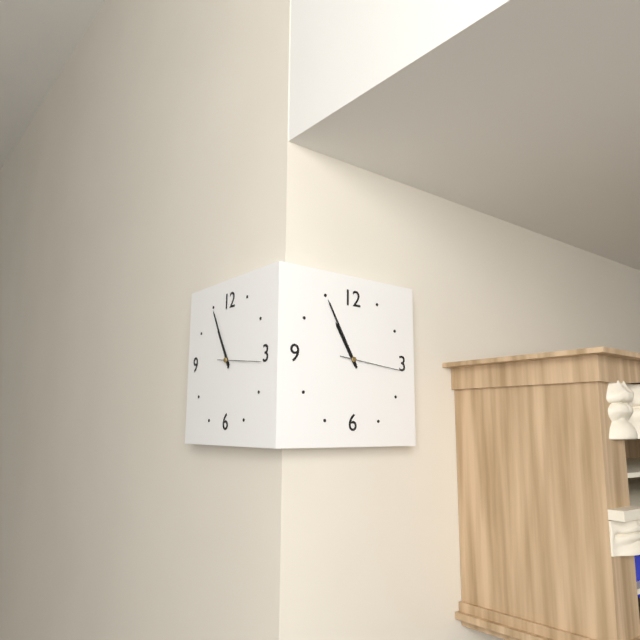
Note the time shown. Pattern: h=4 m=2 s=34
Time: h=10 m=55 s=16
